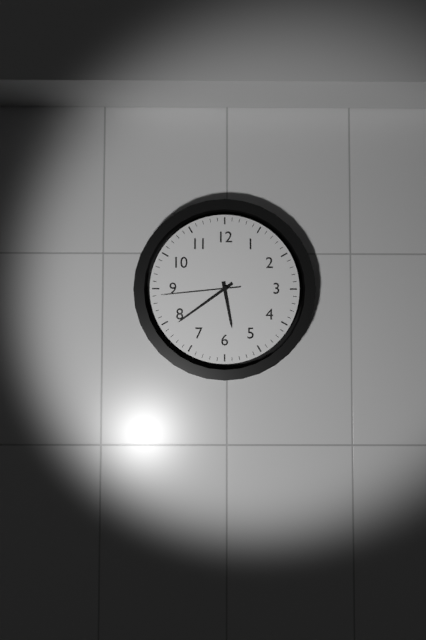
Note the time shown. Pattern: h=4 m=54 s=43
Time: h=5 m=39 s=44
